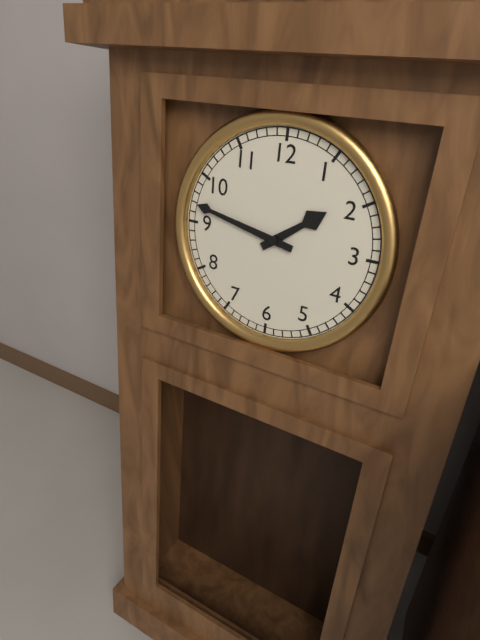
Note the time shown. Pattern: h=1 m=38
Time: h=1 m=47
